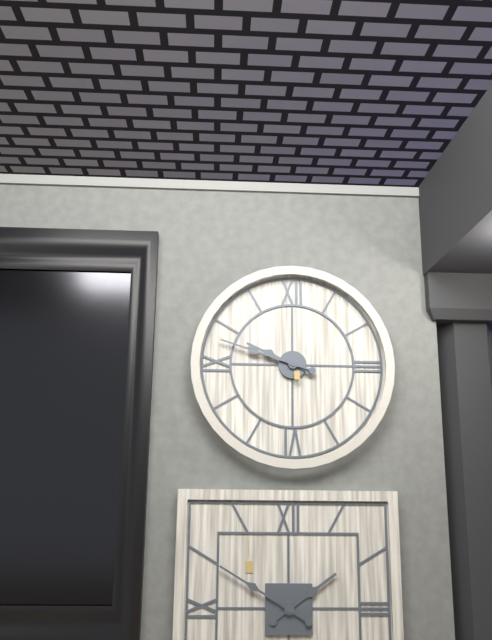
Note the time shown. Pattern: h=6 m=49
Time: h=9 m=48
